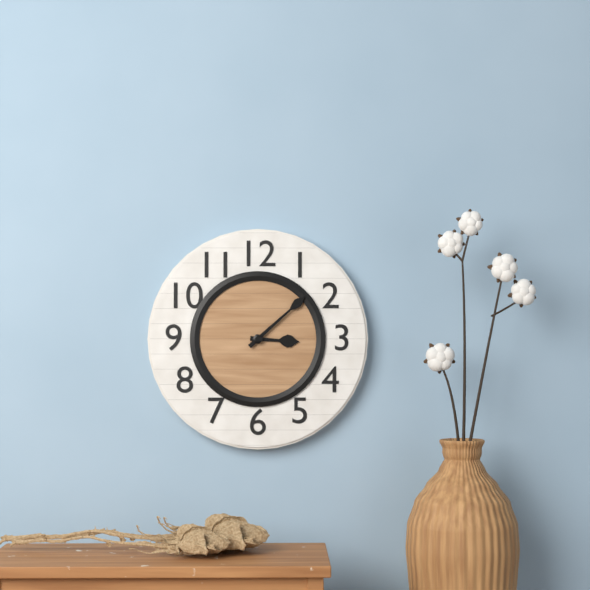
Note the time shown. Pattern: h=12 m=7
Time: h=3 m=8
